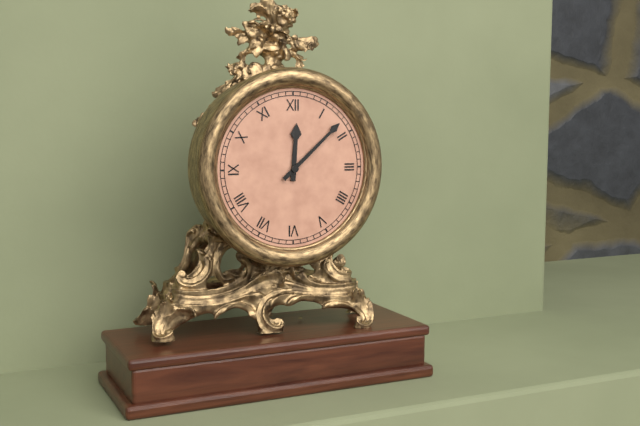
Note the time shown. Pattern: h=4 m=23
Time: h=12 m=8
